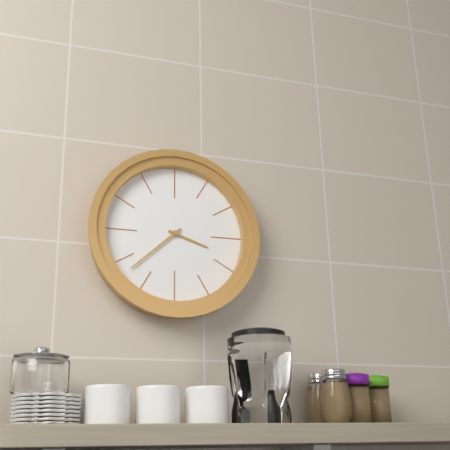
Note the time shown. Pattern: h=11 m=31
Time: h=3 m=38
